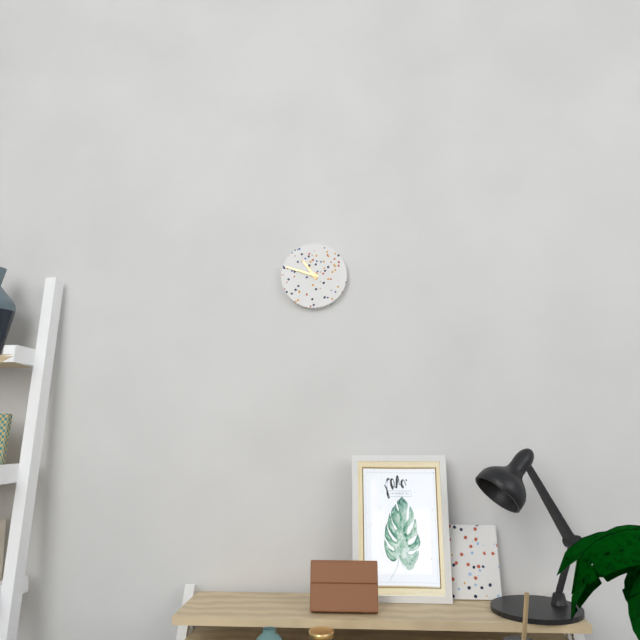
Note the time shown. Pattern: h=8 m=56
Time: h=10 m=48
